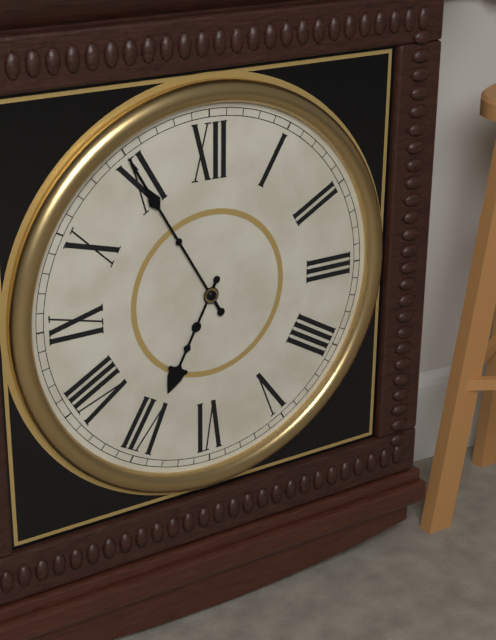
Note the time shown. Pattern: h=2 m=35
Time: h=6 m=55
